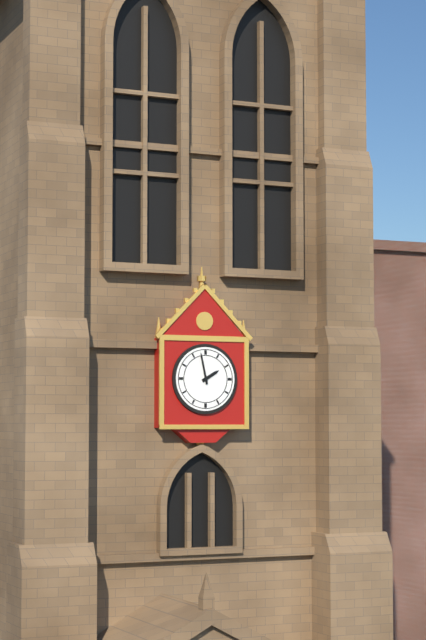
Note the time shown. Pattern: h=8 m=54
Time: h=1 m=58
